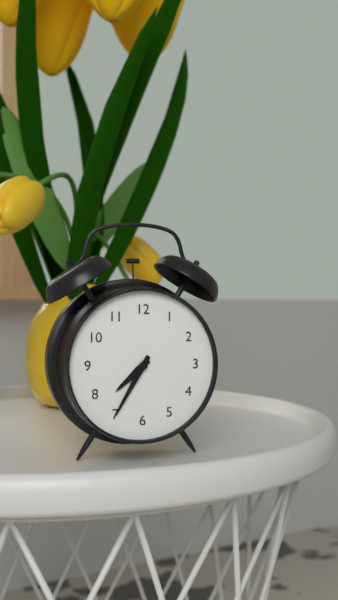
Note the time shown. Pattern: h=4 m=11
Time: h=7 m=35
